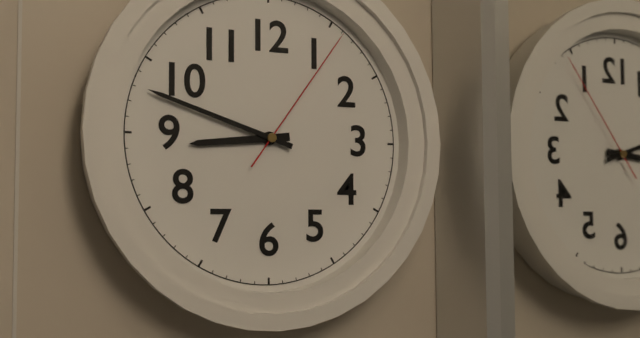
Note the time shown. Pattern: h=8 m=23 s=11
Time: h=8 m=48 s=6
